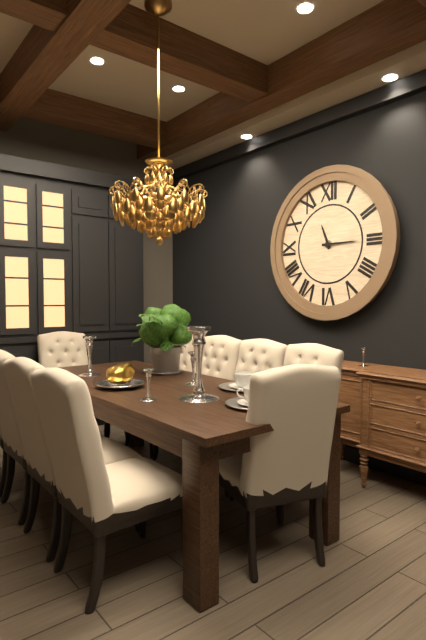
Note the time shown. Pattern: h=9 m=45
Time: h=11 m=15
